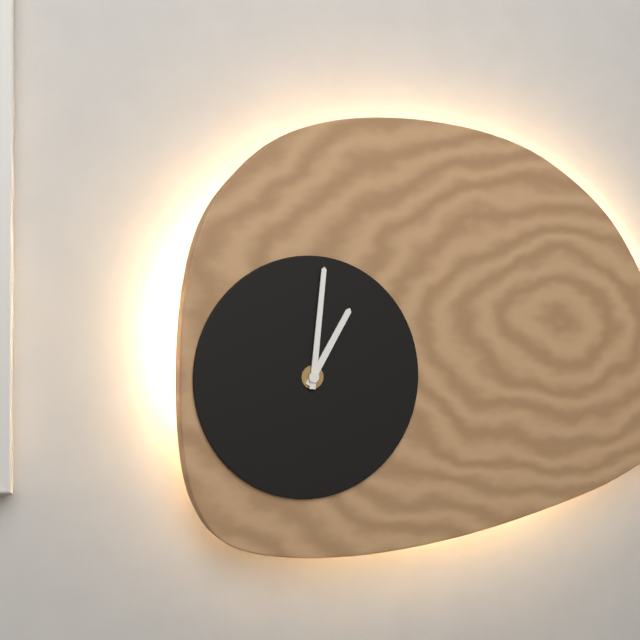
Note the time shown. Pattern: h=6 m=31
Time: h=1 m=1
